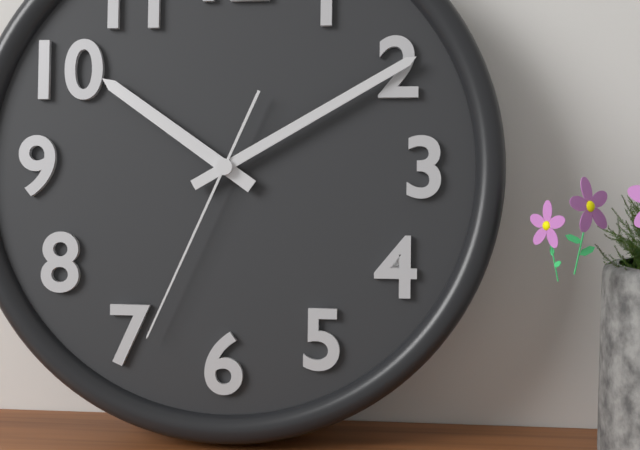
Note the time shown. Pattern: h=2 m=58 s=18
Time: h=10 m=10 s=34
